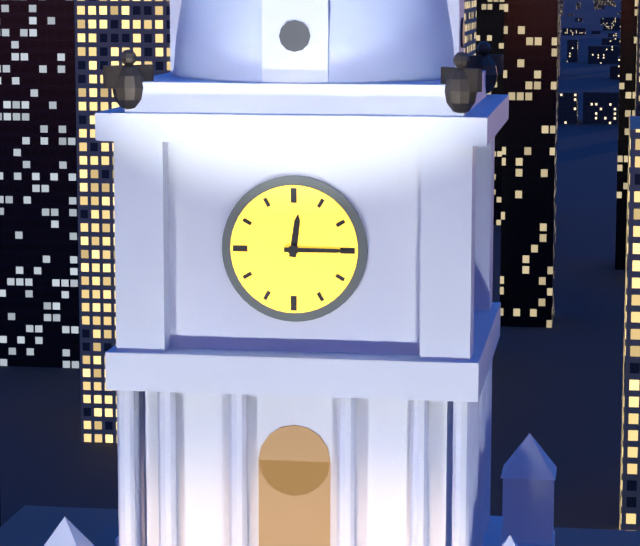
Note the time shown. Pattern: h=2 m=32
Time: h=12 m=15
